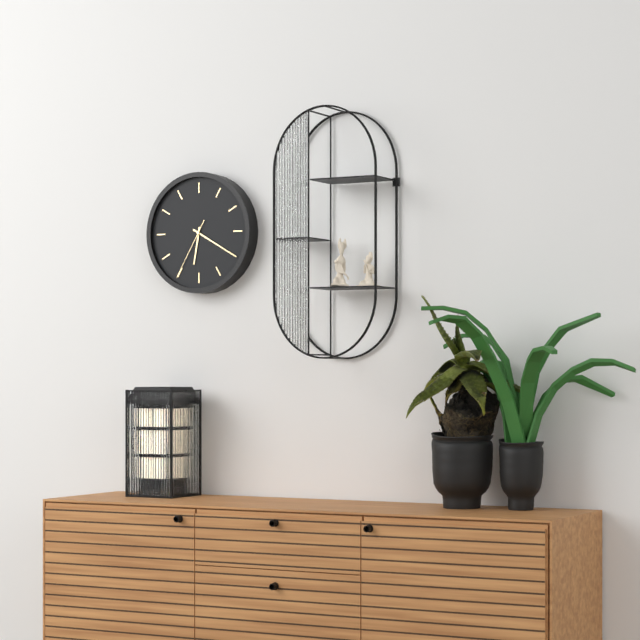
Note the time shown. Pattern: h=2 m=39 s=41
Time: h=6 m=20 s=35
